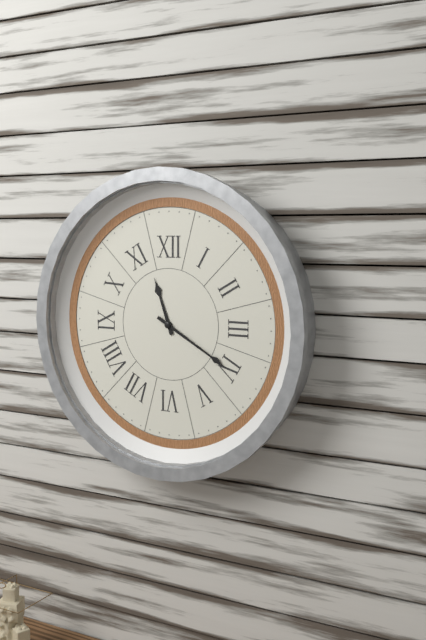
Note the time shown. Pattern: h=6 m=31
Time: h=11 m=20
